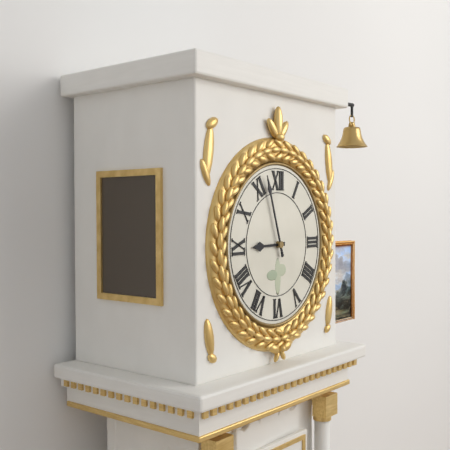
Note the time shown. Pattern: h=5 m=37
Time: h=8 m=57
